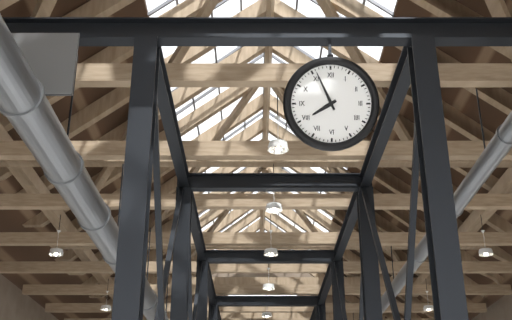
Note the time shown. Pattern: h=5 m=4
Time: h=7 m=56
